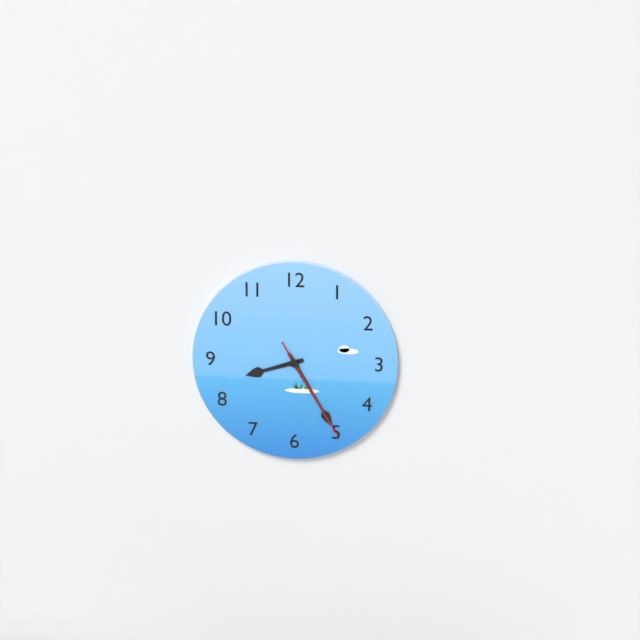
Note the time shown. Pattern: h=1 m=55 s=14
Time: h=8 m=25 s=25
